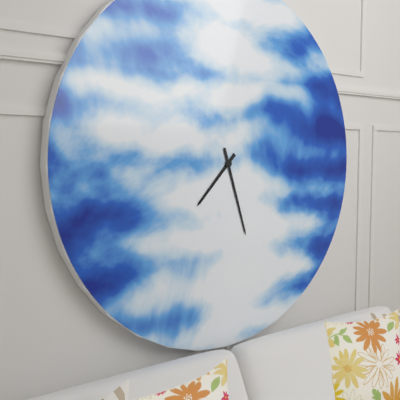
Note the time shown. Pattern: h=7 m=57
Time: h=7 m=27
